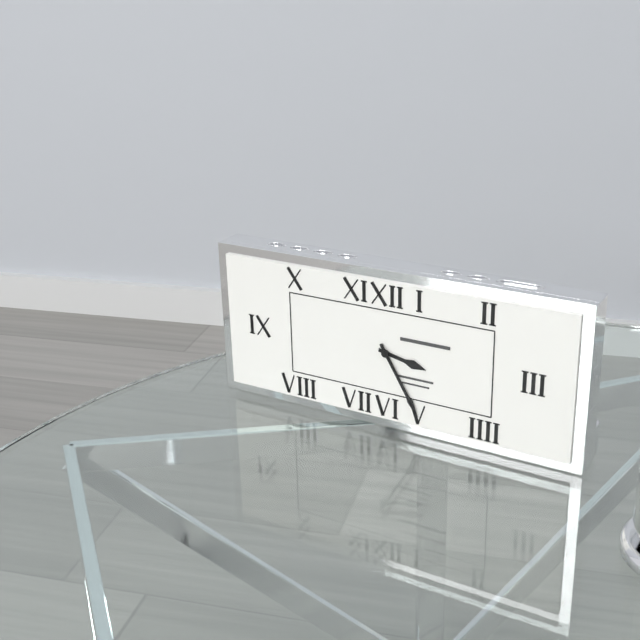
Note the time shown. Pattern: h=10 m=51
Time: h=3 m=25
